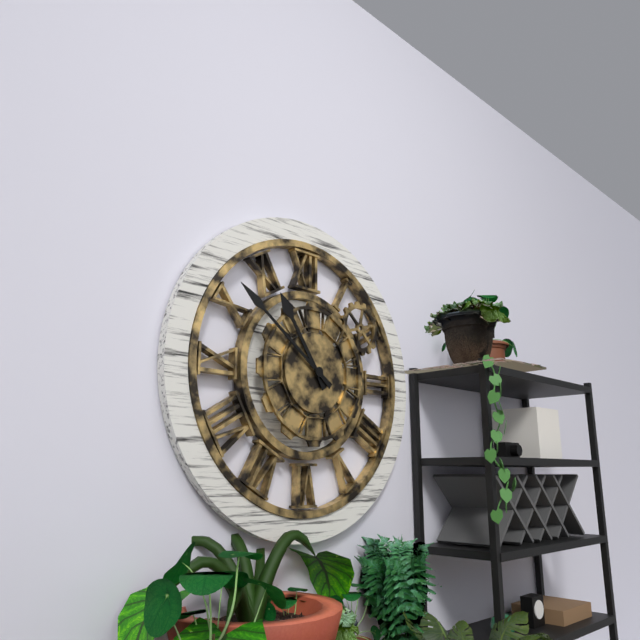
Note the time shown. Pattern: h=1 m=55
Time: h=10 m=51
